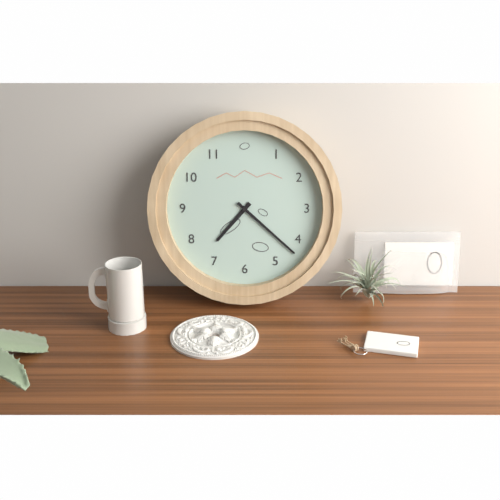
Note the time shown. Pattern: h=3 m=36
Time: h=7 m=22
